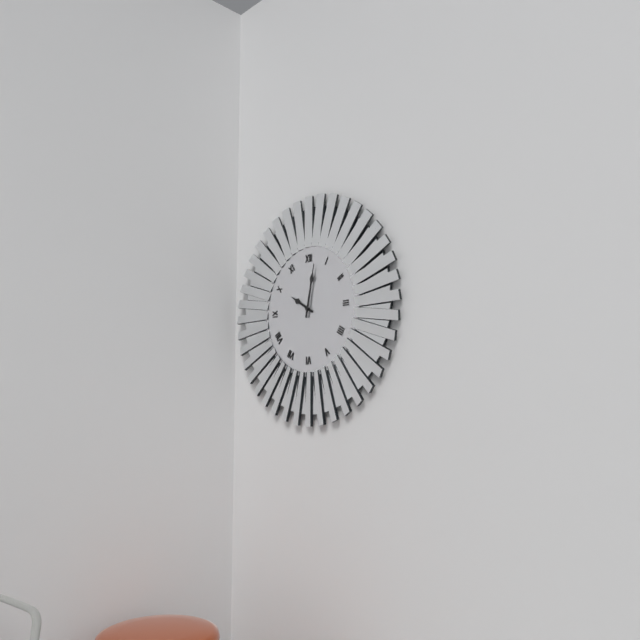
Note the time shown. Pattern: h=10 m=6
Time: h=10 m=2
